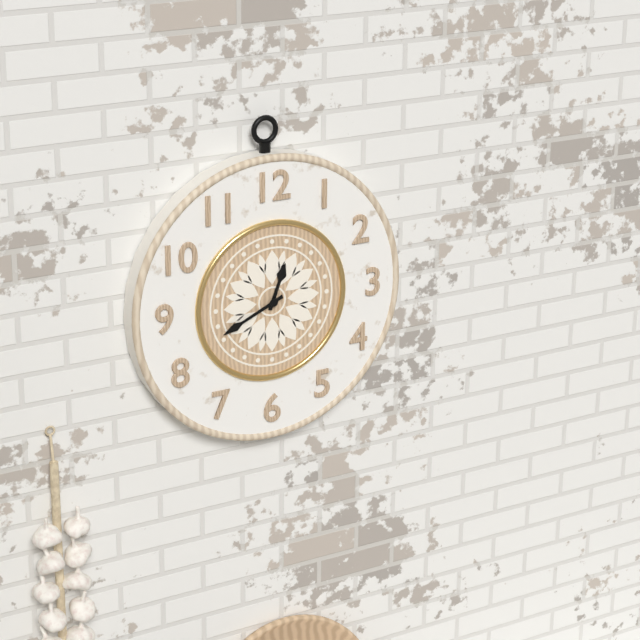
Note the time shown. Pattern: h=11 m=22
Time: h=12 m=41
